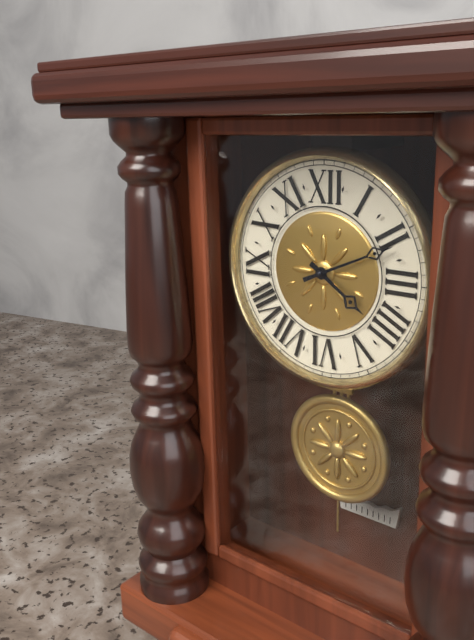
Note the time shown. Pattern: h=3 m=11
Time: h=4 m=11
